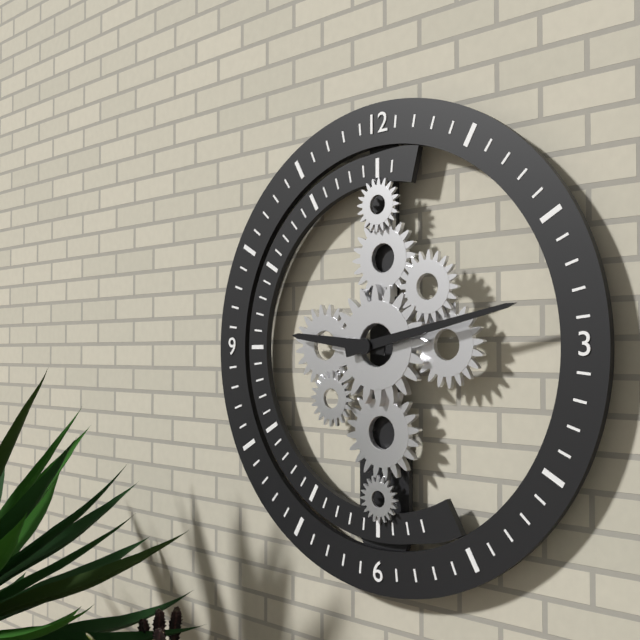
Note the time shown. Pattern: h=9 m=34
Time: h=9 m=13
